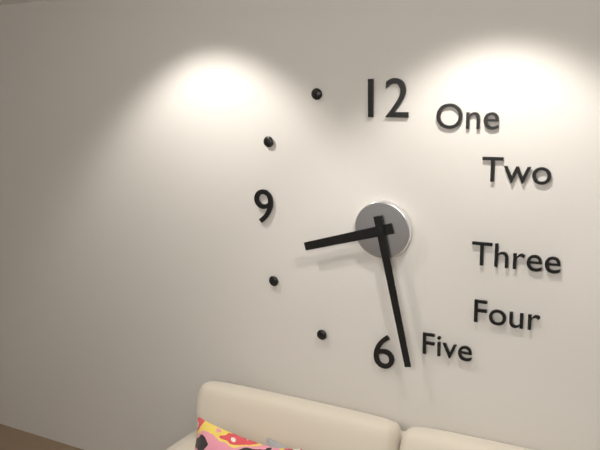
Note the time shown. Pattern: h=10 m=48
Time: h=8 m=28
